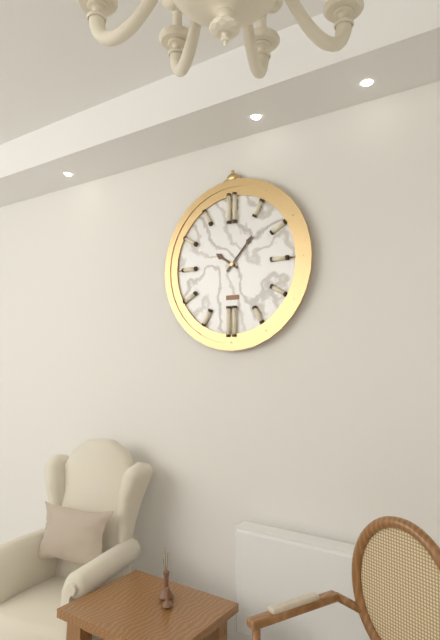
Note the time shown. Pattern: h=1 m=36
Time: h=10 m=7
